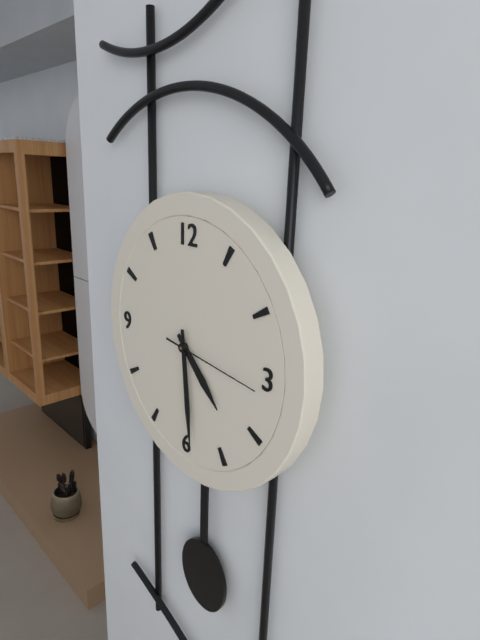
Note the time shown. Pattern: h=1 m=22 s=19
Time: h=4 m=29 s=16
